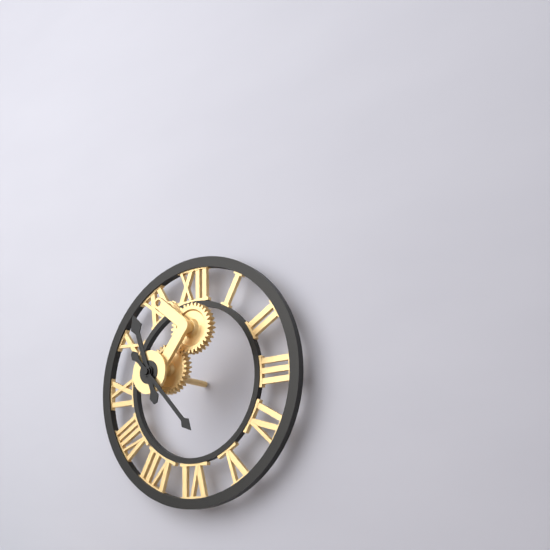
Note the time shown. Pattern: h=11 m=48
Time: h=11 m=23
